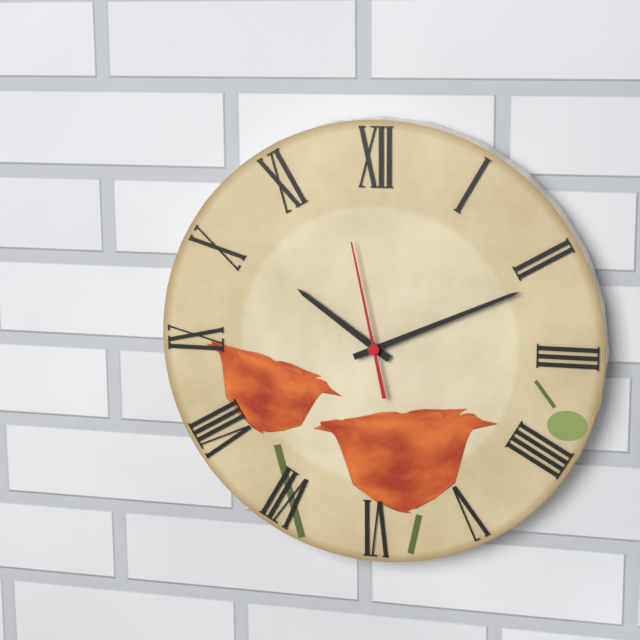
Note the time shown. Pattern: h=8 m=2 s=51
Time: h=10 m=11 s=58
